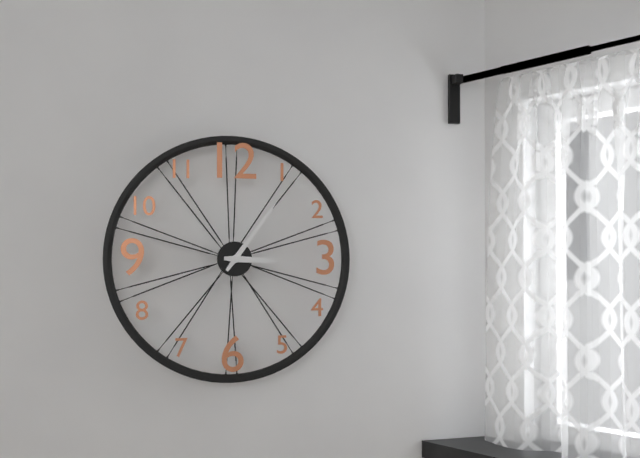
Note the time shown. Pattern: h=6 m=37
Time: h=3 m=6
